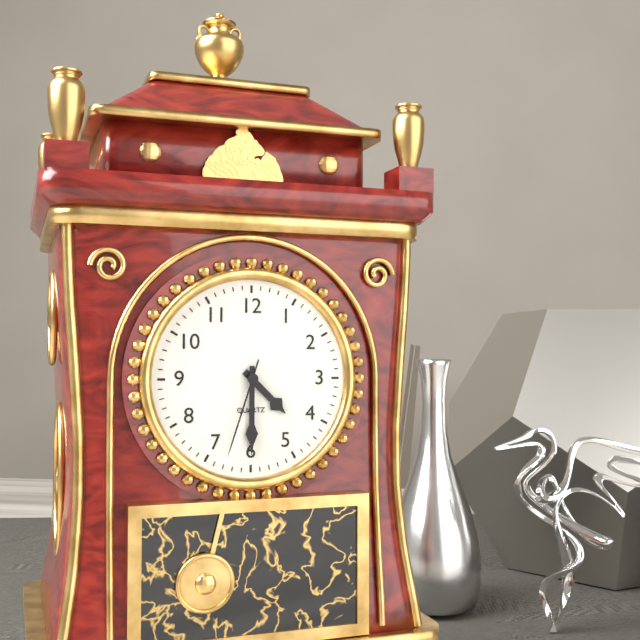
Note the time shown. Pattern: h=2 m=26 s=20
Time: h=4 m=30 s=33
